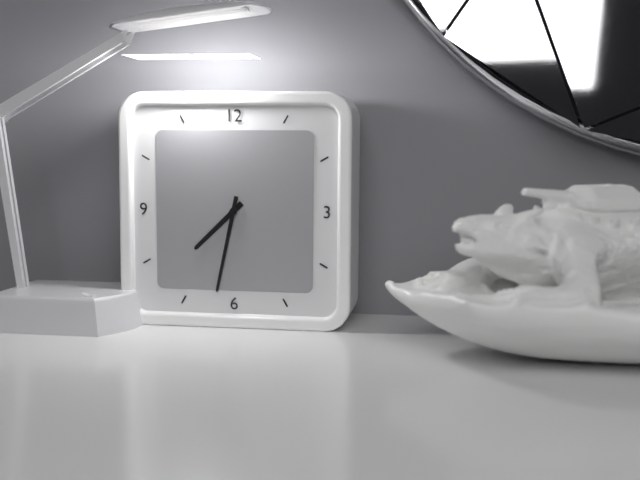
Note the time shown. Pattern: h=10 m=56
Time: h=7 m=32
